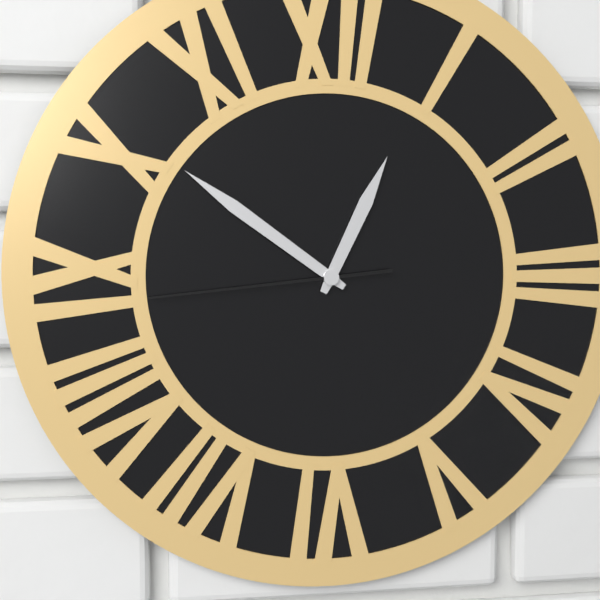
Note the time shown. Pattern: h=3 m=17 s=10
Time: h=12 m=51 s=44
